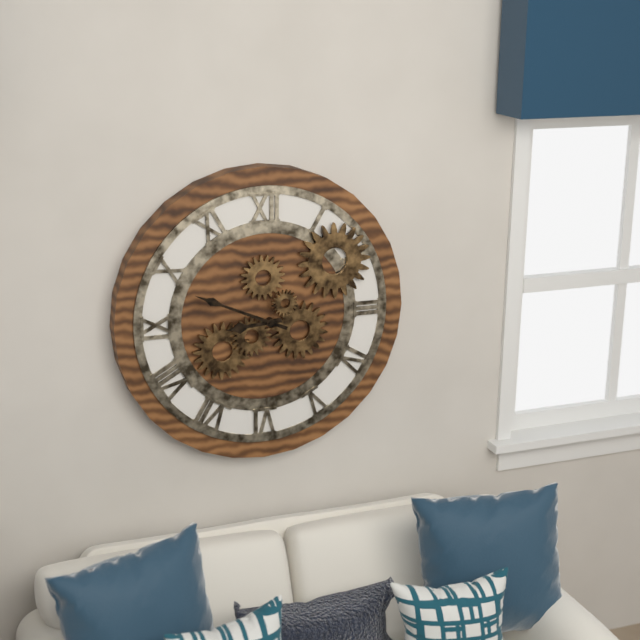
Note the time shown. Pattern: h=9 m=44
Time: h=8 m=49
